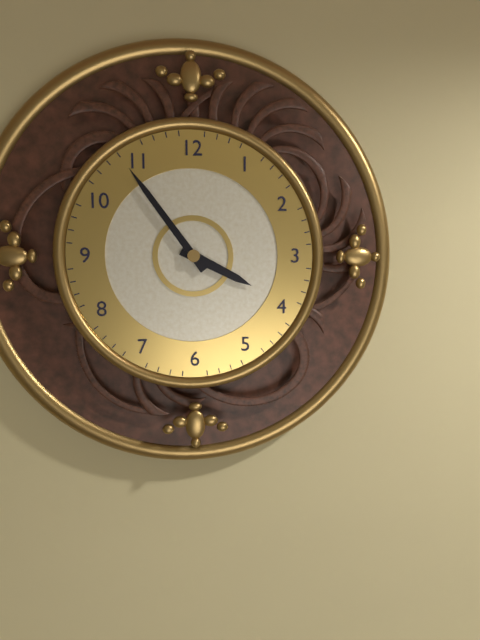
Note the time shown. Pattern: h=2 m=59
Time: h=3 m=54
